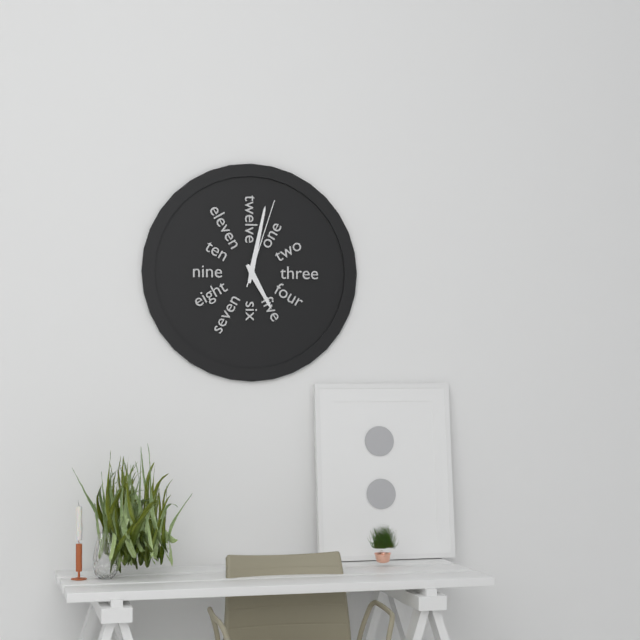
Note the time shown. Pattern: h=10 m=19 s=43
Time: h=5 m=2 s=3
